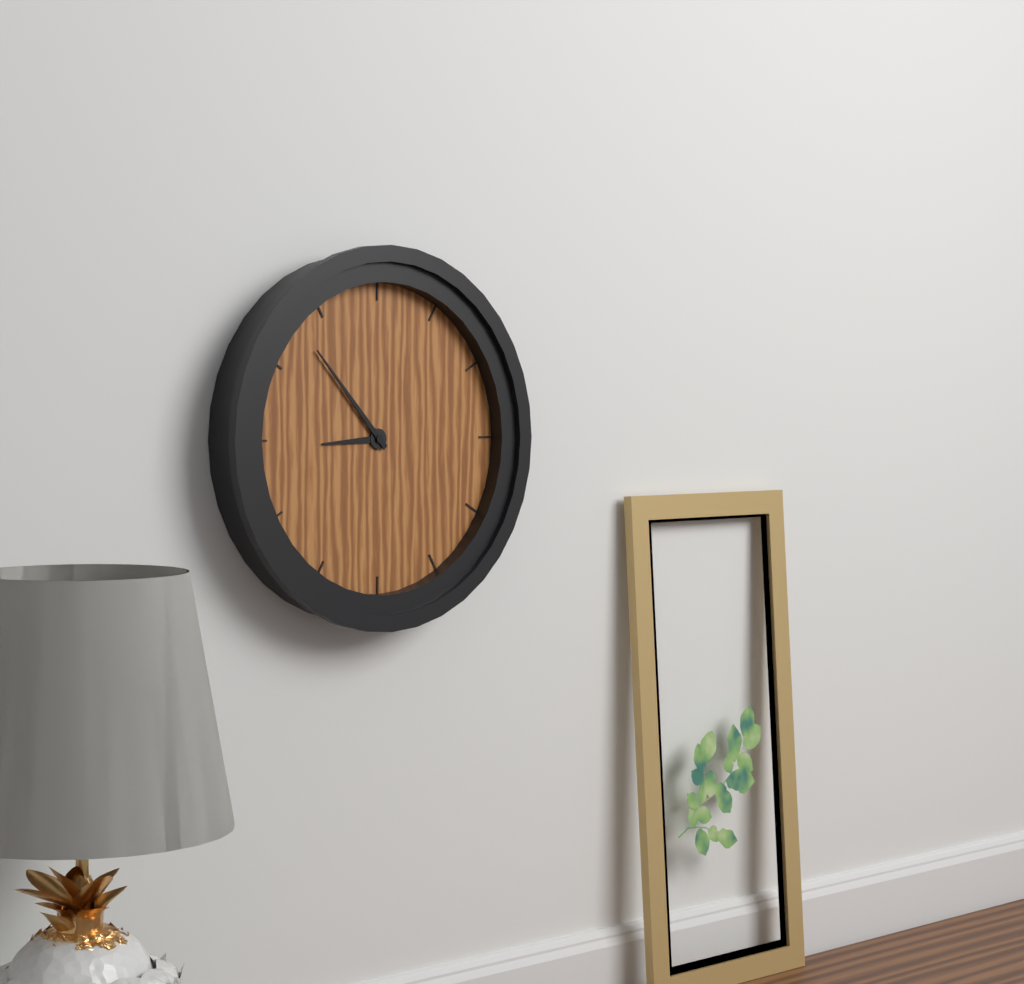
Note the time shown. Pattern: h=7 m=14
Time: h=8 m=53
